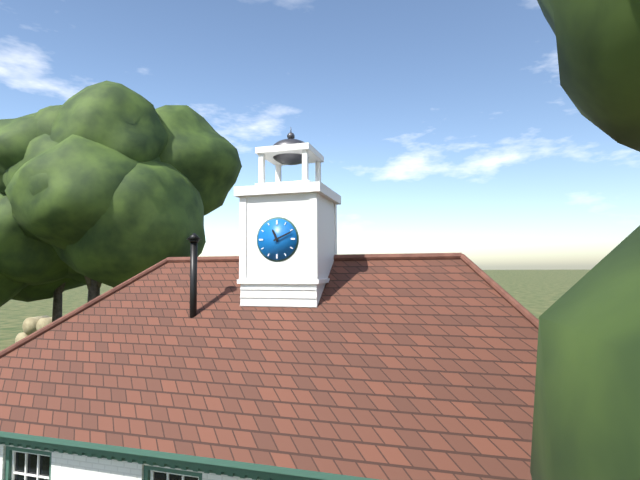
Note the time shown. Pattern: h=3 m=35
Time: h=11 m=11
